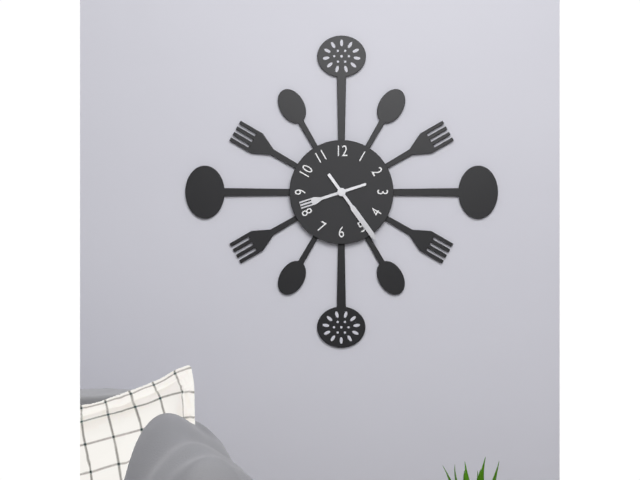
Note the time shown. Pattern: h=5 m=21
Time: h=8 m=24
